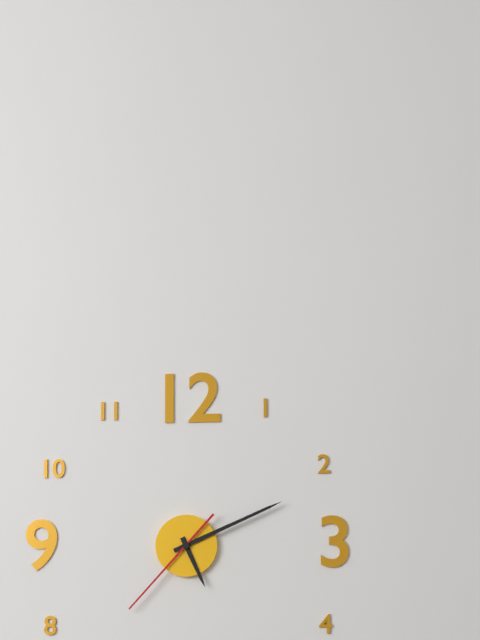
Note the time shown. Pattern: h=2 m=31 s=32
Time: h=5 m=11 s=37
